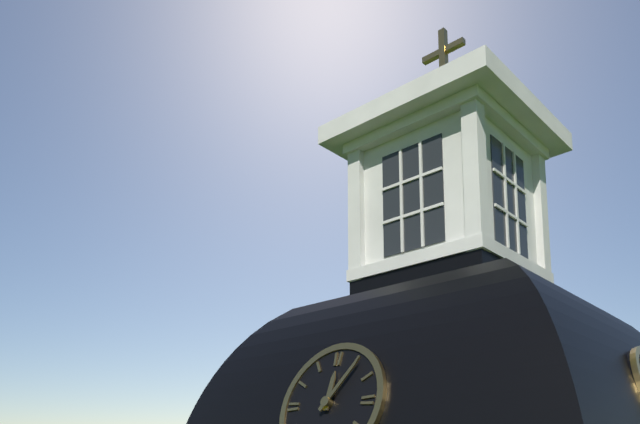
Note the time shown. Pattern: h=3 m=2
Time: h=12 m=6
